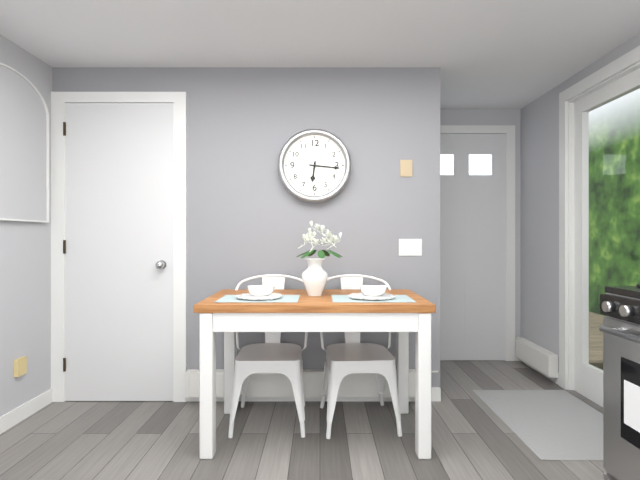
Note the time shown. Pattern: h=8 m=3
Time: h=6 m=16
